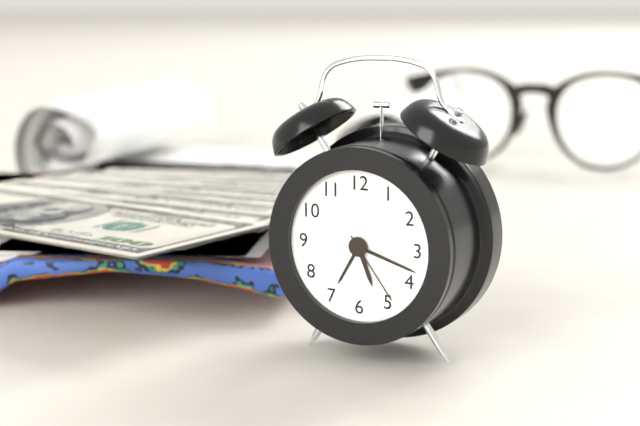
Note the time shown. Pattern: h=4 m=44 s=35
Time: h=5 m=18 s=24
